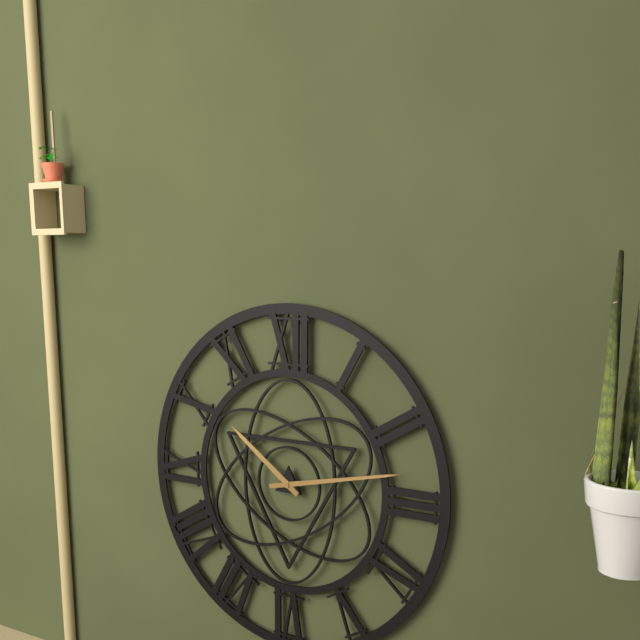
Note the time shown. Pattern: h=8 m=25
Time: h=10 m=13
